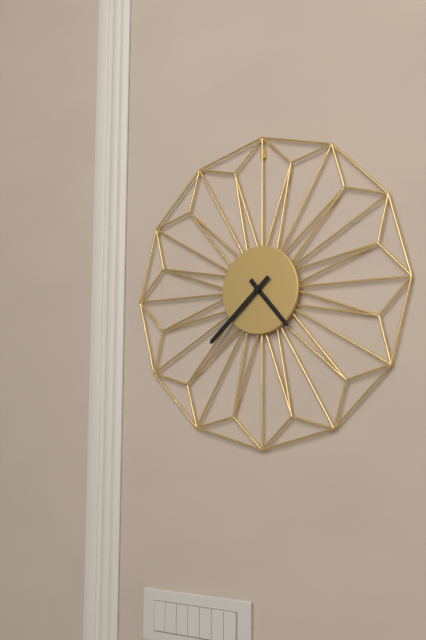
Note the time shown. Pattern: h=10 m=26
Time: h=4 m=38
